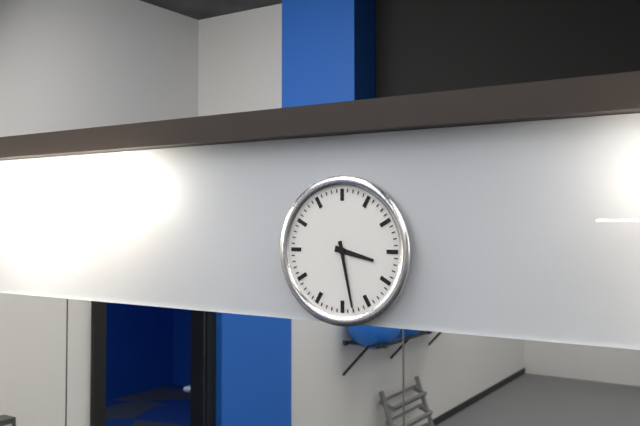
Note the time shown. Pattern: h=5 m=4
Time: h=3 m=28
